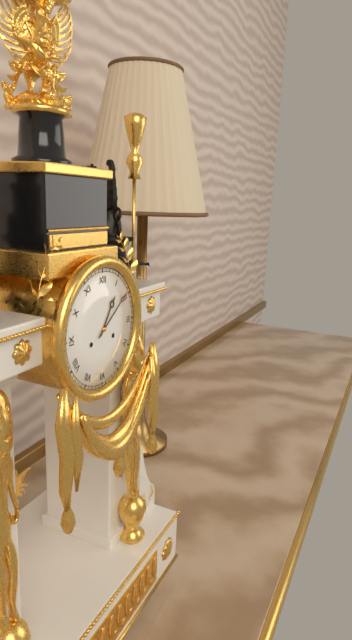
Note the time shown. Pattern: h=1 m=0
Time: h=1 m=9
